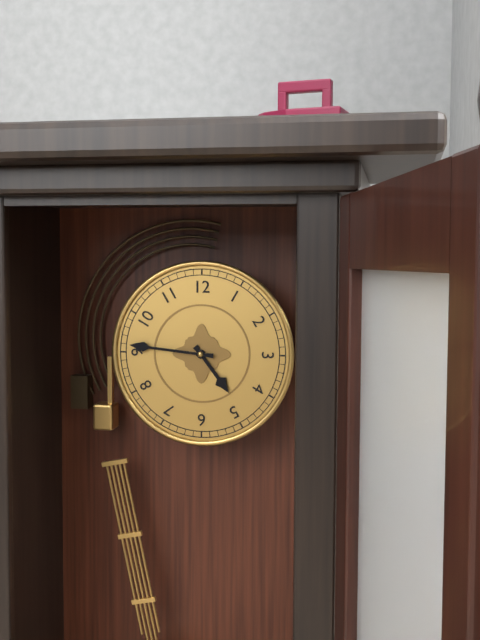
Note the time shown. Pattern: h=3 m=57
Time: h=4 m=46
